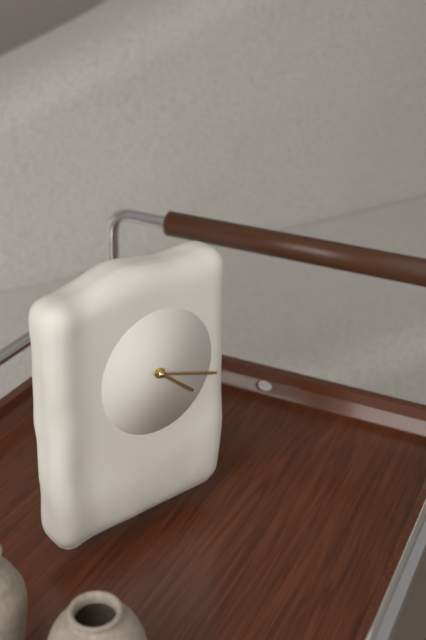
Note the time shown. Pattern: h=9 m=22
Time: h=4 m=18
